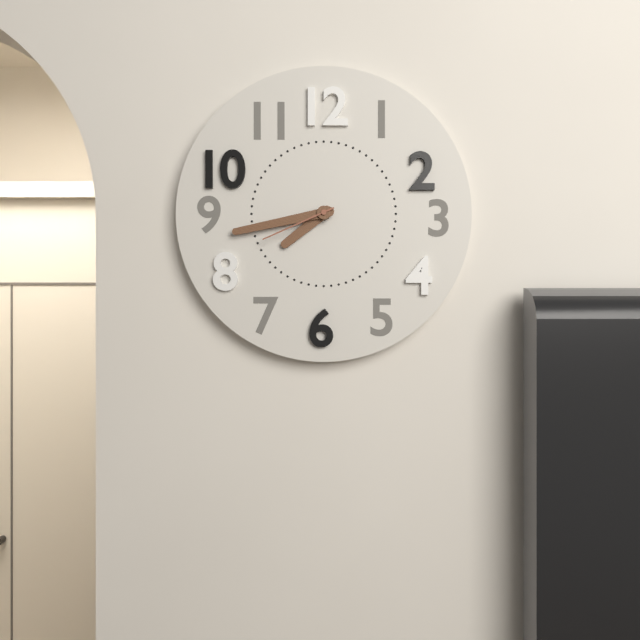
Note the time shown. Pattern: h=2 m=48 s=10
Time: h=7 m=43 s=41
